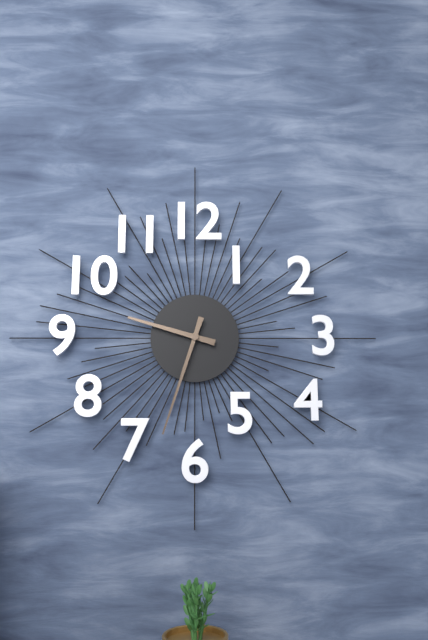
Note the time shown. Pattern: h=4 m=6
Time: h=9 m=33
